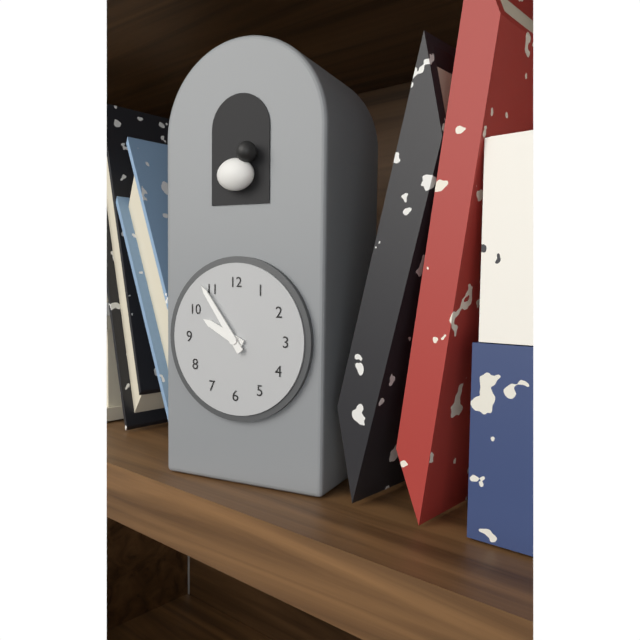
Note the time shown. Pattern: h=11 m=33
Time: h=9 m=54
